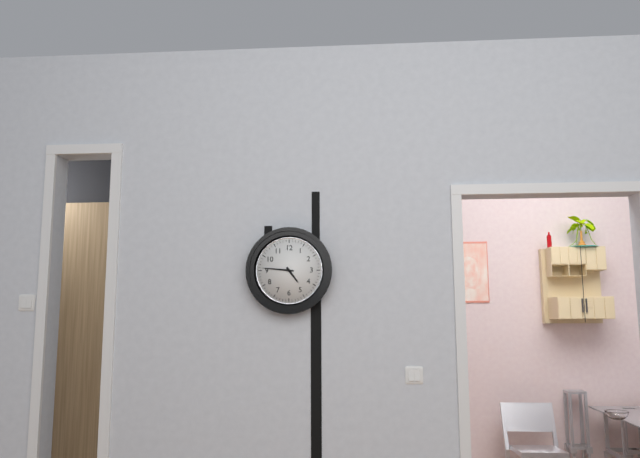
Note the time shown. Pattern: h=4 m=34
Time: h=4 m=46
